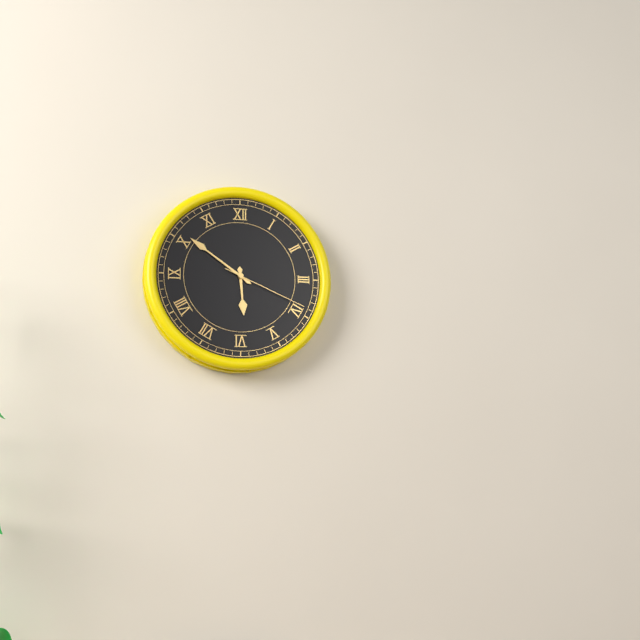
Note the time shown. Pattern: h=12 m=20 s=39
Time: h=5 m=51 s=19
